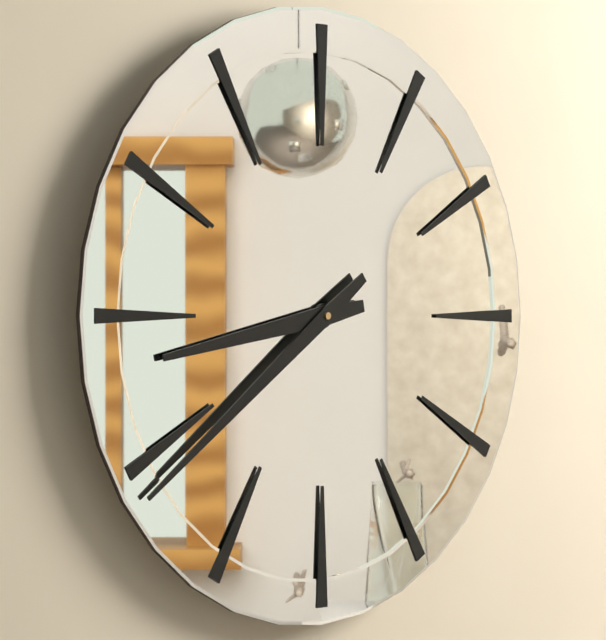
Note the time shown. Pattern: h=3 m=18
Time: h=8 m=39
